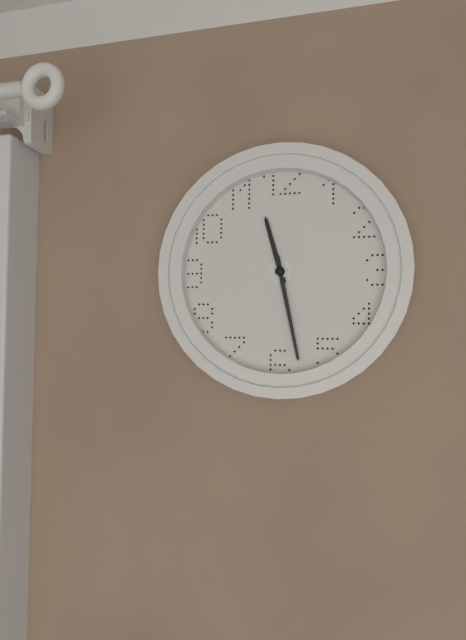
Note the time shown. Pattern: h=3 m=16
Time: h=11 m=28
